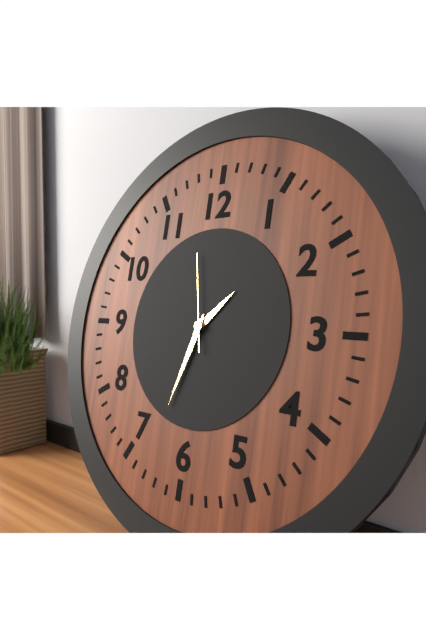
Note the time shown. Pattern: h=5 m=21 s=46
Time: h=1 m=33 s=58
